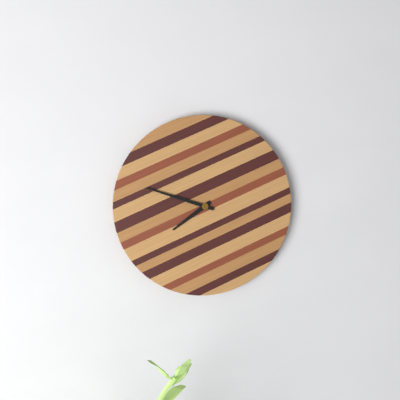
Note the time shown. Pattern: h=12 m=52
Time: h=7 m=48
